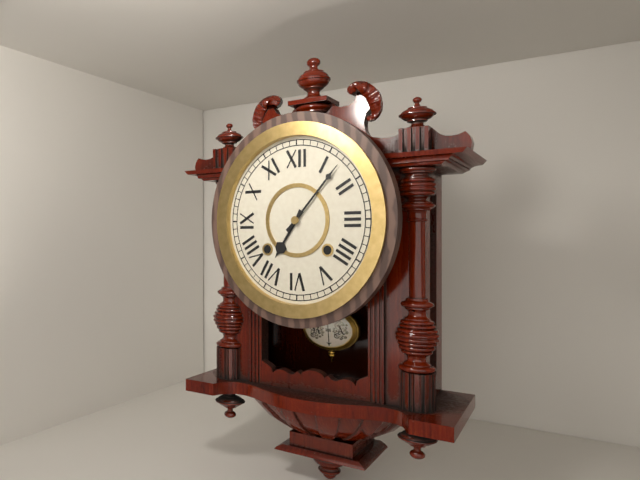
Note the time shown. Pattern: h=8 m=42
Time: h=7 m=7
